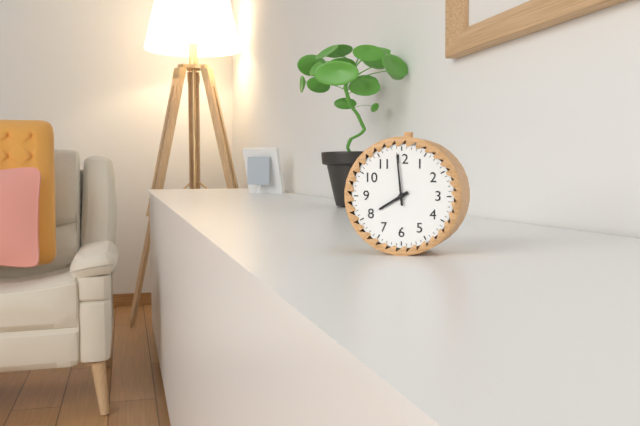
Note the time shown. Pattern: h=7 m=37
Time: h=7 m=59
